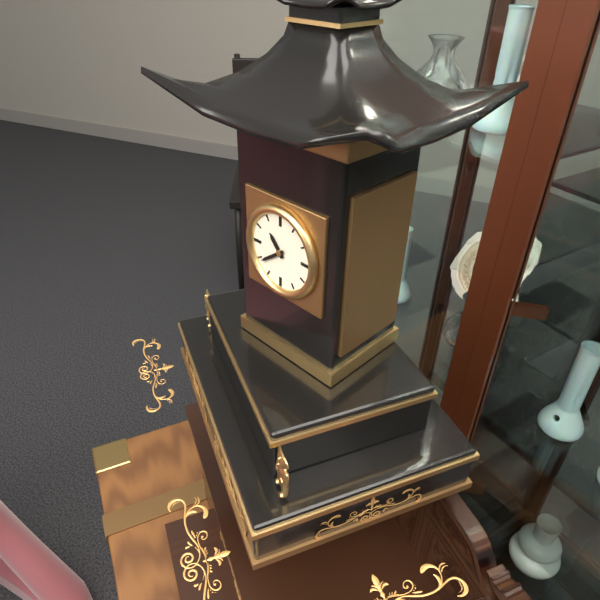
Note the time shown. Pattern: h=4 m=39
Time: h=10 m=39
